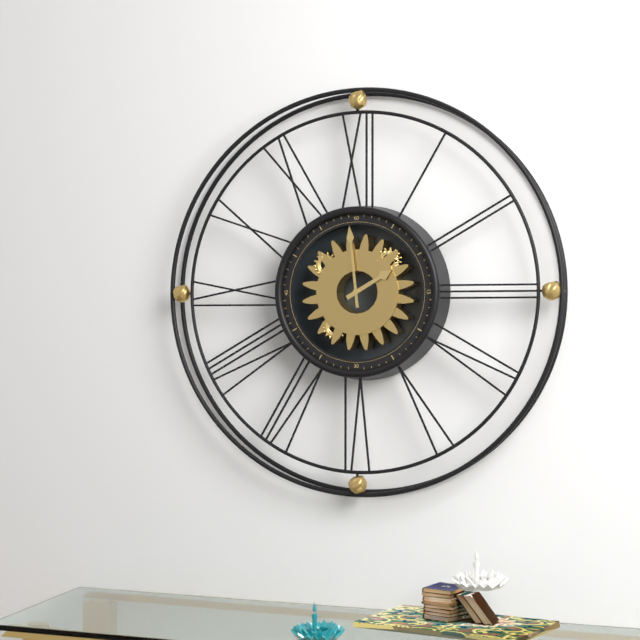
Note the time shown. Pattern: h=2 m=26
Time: h=1 m=59
